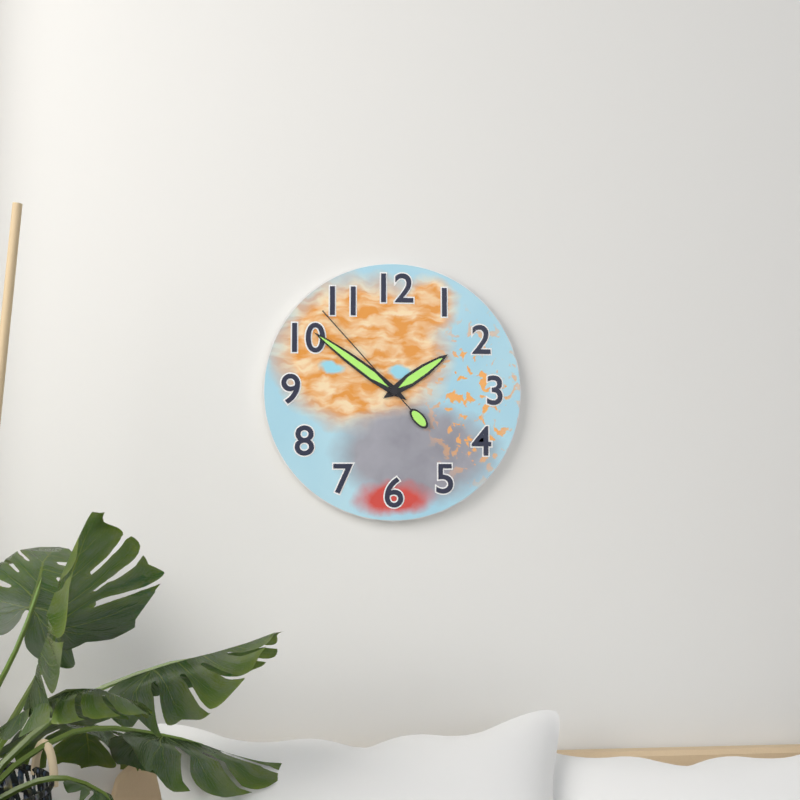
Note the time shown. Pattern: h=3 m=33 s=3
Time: h=1 m=51 s=53
